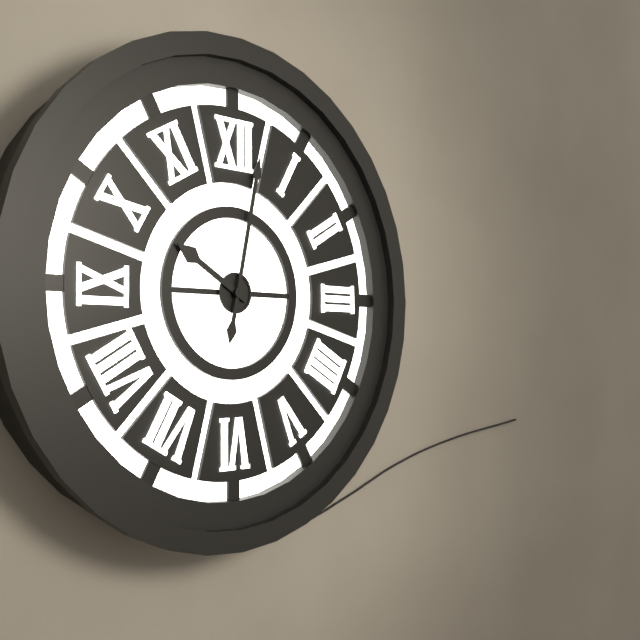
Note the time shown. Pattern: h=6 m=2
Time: h=10 m=2
